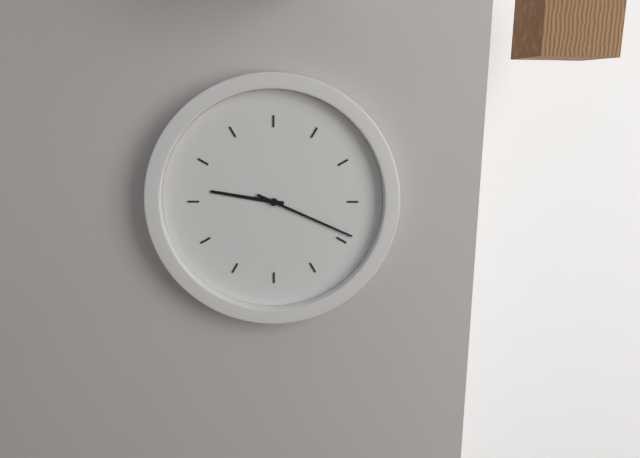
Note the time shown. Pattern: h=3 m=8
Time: h=9 m=19
